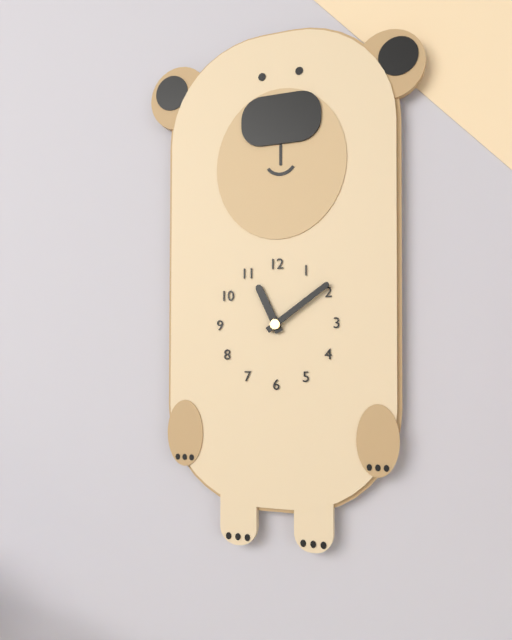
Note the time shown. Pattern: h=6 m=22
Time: h=11 m=9
